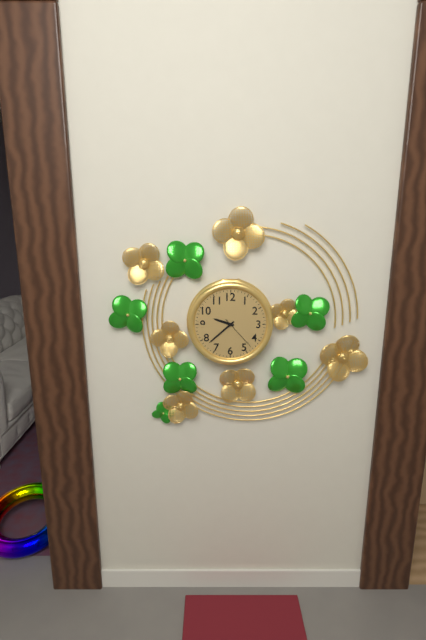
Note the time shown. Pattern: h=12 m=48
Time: h=9 m=38
